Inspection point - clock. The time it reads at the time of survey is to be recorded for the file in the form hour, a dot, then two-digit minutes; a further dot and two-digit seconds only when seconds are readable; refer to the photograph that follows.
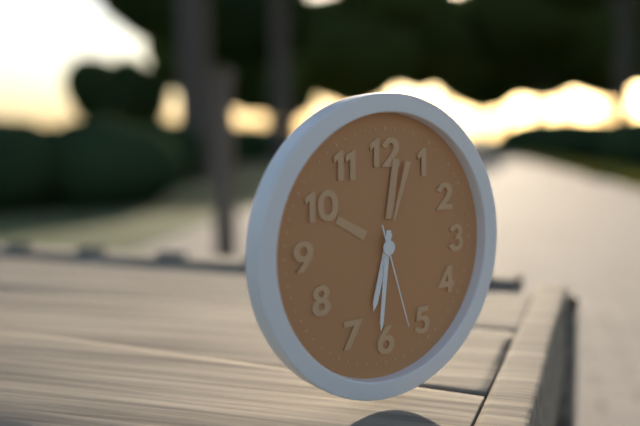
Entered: 6.31.27
